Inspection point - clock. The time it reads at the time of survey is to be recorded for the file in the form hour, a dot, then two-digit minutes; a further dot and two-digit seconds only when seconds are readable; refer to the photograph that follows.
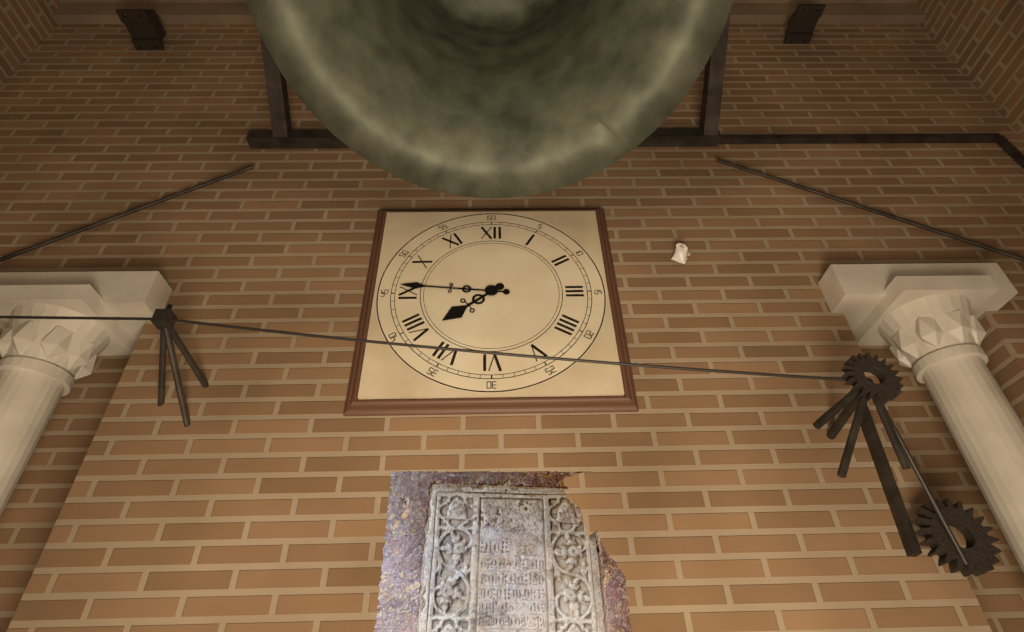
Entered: 7.46
